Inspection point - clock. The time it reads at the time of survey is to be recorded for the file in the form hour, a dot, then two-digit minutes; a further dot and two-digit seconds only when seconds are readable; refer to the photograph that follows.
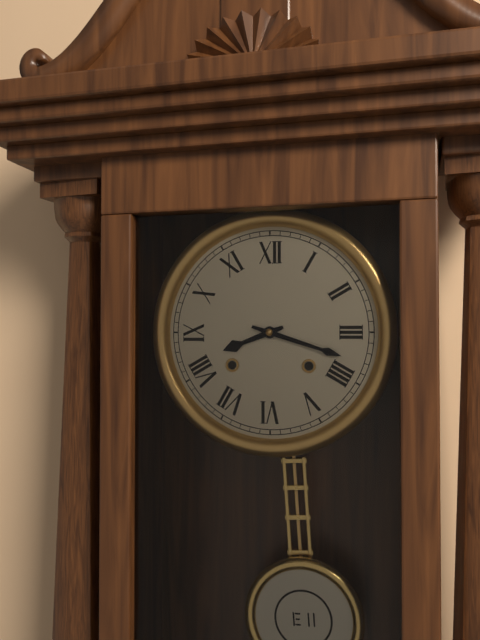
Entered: 8.18
